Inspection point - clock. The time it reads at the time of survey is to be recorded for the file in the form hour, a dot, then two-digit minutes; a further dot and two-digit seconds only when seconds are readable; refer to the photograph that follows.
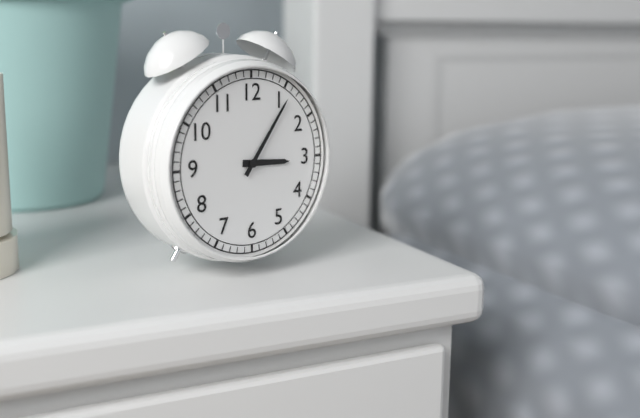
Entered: 3.06
